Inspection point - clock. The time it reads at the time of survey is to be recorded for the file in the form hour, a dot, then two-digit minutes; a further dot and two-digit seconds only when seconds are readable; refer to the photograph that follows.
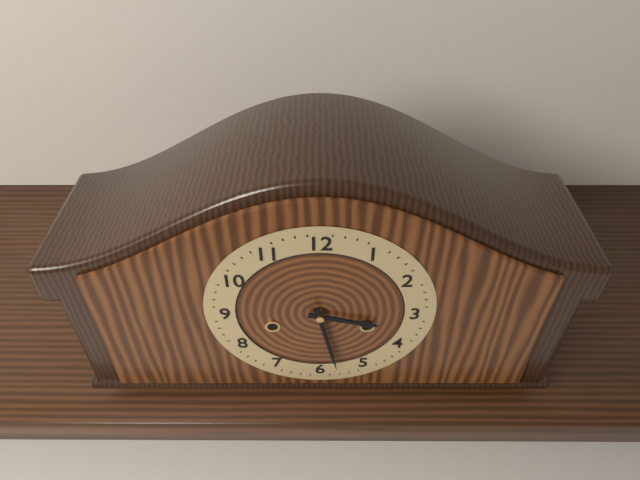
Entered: 3.28
